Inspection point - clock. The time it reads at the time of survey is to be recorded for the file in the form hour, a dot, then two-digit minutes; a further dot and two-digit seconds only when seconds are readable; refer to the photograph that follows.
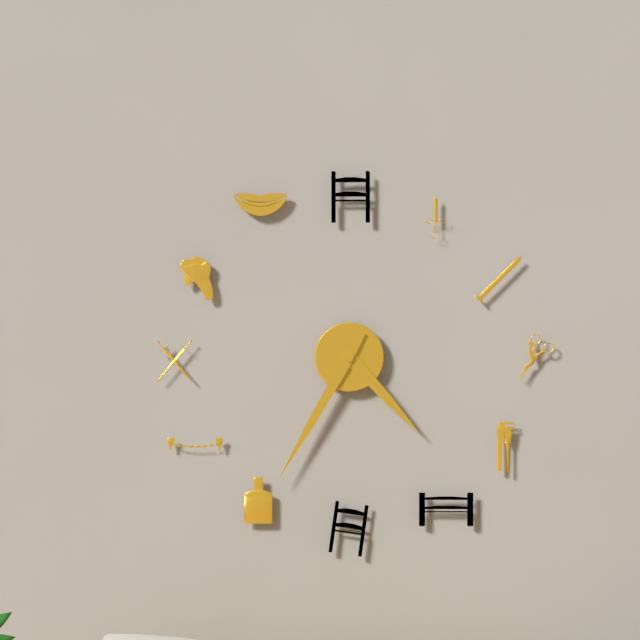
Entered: 4.35
